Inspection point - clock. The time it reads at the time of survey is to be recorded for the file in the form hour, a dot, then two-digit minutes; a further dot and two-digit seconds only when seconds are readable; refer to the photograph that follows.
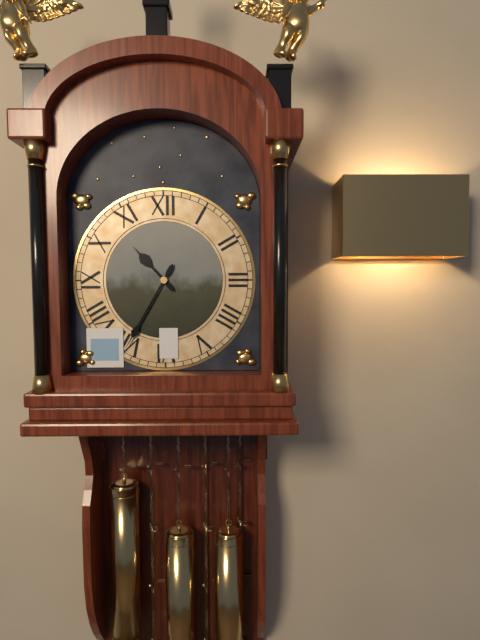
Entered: 10.35
